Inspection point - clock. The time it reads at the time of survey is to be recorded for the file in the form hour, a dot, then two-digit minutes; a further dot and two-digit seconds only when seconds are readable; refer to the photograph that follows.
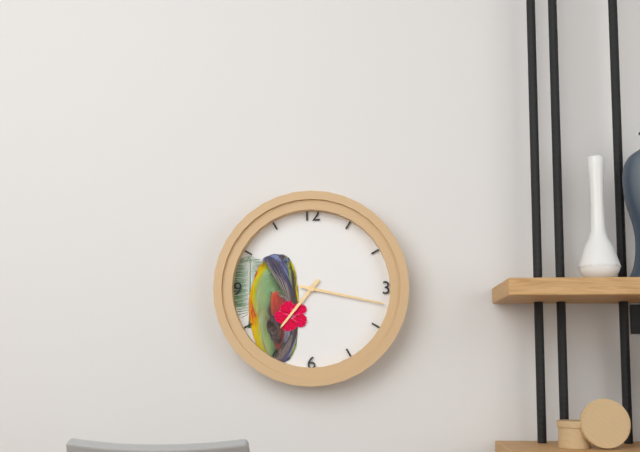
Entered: 7.17
